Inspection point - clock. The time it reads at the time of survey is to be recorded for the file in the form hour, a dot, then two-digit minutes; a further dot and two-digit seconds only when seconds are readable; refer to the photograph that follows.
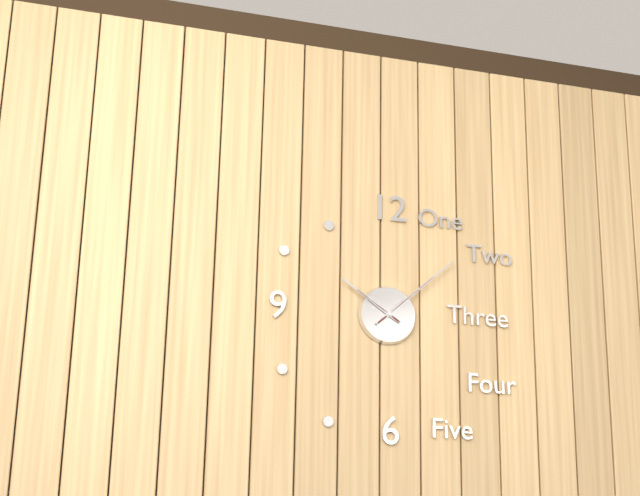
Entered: 10.08
